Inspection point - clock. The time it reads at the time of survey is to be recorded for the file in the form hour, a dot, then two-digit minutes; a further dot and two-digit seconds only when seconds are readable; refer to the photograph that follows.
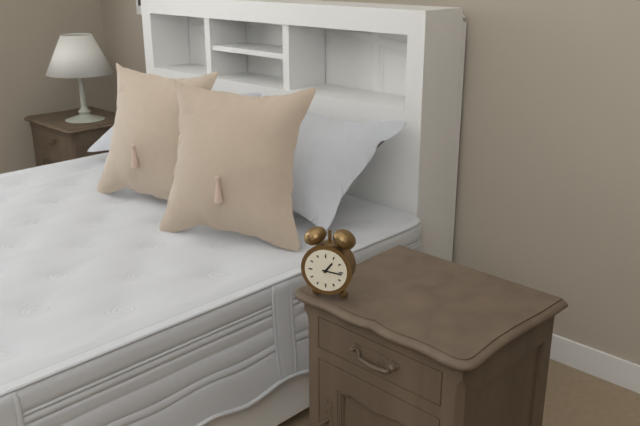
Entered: 1.16
